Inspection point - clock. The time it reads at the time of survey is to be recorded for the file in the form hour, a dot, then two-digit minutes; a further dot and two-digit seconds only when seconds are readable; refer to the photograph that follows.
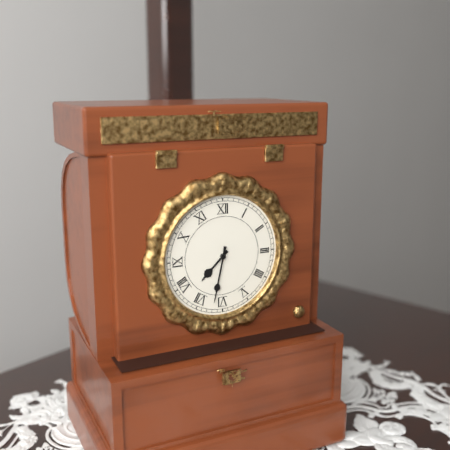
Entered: 7.32
